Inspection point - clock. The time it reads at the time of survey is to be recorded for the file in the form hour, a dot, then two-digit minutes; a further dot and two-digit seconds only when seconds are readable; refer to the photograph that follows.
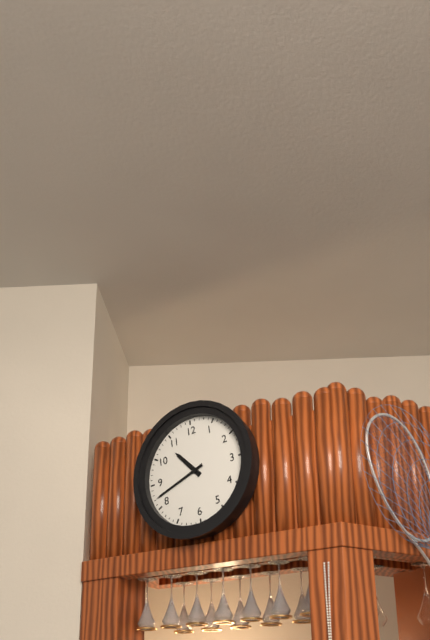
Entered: 10.42
